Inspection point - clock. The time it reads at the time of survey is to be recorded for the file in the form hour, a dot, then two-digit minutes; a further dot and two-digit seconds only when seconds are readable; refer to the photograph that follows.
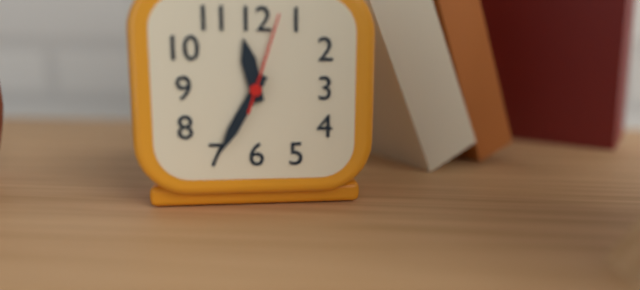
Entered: 11.35.03
